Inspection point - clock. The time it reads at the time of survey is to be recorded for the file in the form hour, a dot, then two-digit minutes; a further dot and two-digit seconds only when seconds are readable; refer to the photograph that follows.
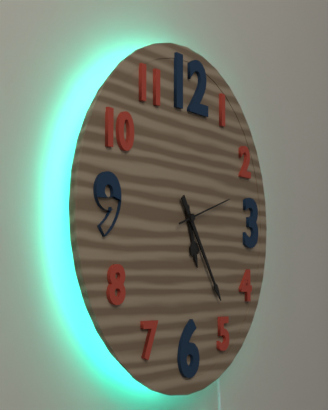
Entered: 5.24.12
